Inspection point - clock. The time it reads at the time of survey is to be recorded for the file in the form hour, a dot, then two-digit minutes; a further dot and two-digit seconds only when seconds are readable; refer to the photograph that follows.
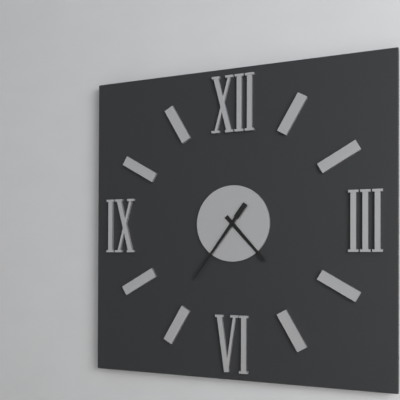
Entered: 4.36
